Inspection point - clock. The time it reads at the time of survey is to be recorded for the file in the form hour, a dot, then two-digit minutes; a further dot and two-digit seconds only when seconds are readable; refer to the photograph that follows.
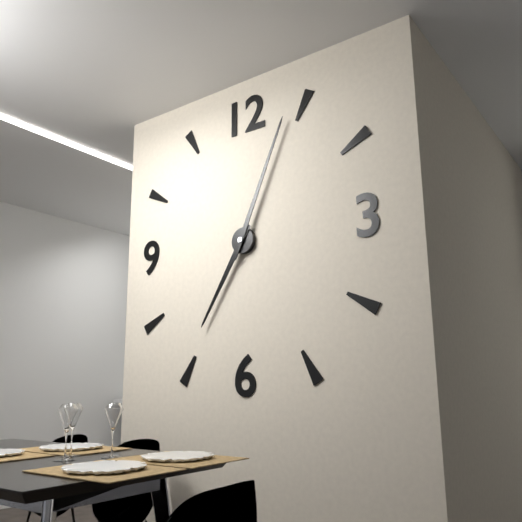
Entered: 7.04
